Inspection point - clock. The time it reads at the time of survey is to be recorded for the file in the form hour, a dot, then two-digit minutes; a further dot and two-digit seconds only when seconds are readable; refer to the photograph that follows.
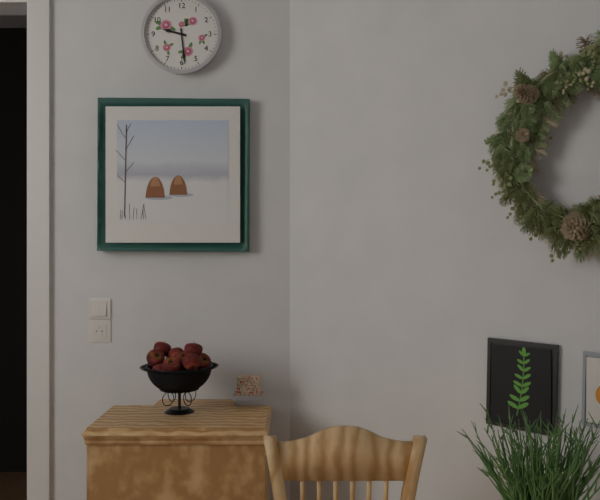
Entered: 9.29
